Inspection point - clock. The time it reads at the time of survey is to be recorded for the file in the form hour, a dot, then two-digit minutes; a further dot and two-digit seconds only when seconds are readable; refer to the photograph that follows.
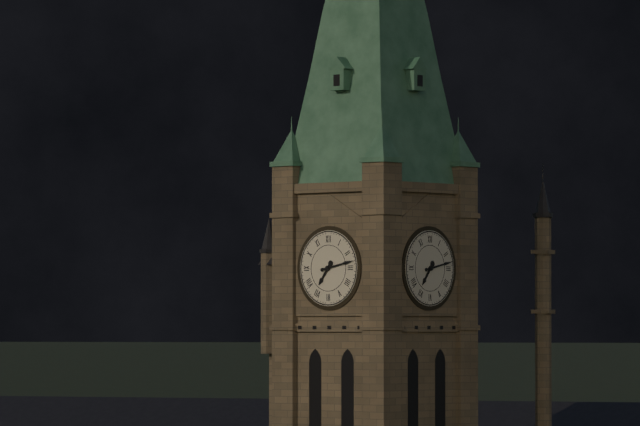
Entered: 7.13
